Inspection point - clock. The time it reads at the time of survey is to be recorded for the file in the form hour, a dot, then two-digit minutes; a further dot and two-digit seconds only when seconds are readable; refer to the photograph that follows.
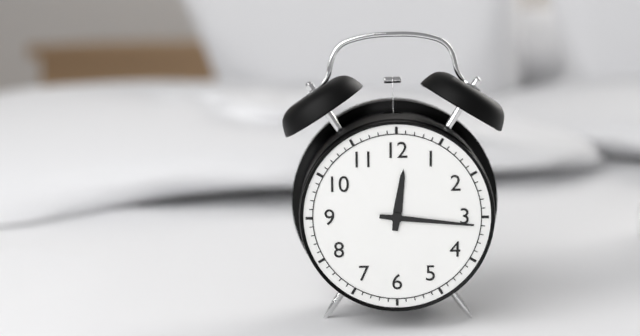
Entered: 12.16
